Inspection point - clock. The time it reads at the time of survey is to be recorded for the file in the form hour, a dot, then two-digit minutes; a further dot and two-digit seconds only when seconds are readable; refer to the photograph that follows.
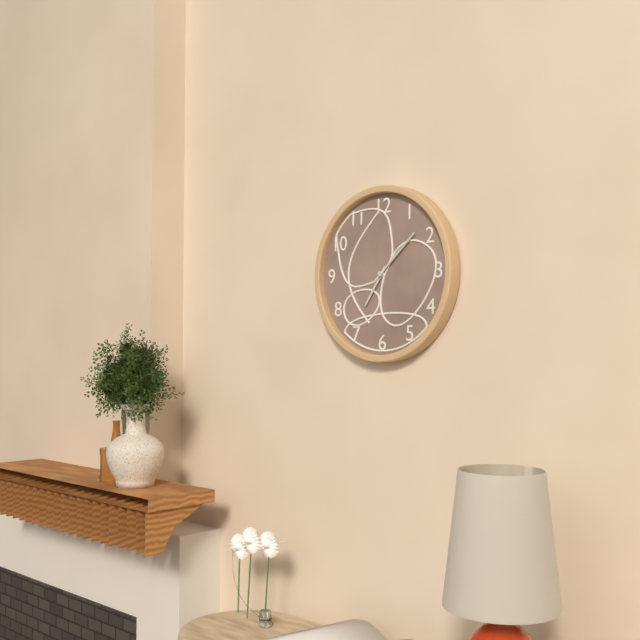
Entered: 7.08
